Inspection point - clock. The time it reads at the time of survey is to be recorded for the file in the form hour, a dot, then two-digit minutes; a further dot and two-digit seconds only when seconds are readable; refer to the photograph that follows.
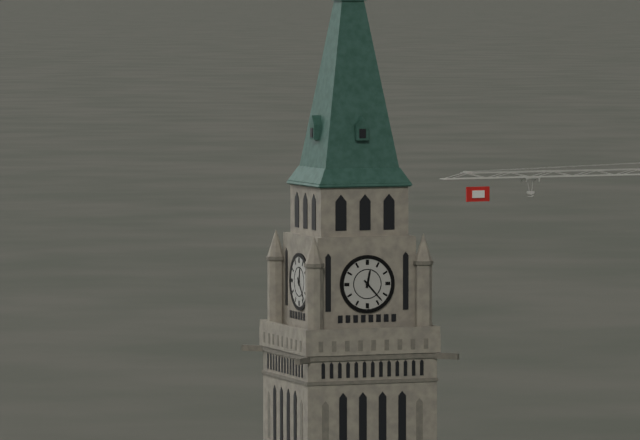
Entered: 12.23
